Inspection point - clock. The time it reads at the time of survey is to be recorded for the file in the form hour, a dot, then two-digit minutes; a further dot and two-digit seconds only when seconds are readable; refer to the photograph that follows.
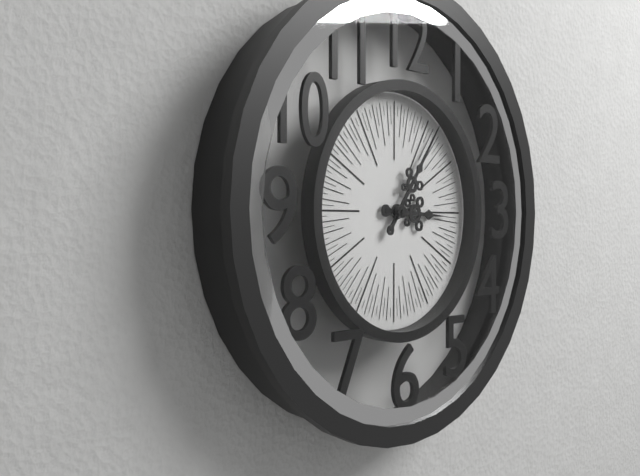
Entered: 3.06
